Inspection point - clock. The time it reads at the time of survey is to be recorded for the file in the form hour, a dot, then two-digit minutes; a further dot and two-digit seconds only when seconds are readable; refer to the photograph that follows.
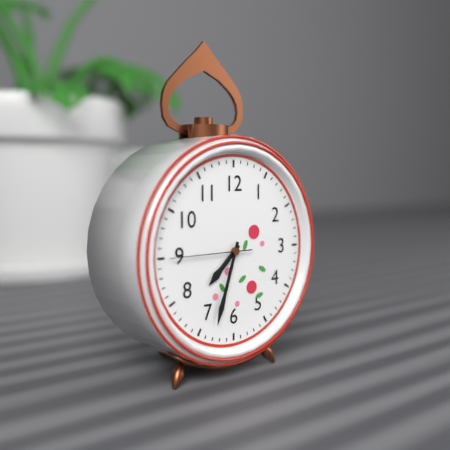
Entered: 7.33.45
